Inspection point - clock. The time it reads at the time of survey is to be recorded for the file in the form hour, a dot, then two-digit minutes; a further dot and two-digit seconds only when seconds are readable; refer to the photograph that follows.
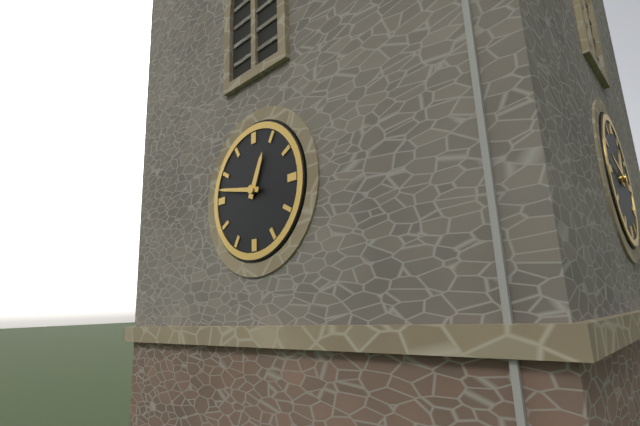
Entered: 12.47
